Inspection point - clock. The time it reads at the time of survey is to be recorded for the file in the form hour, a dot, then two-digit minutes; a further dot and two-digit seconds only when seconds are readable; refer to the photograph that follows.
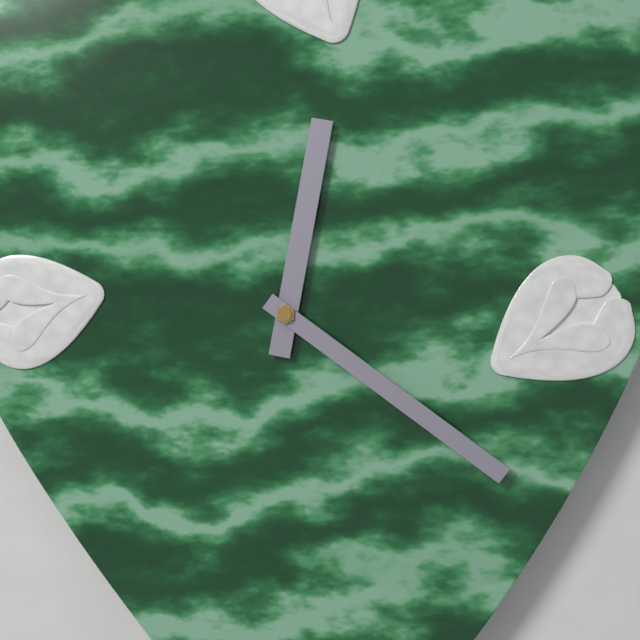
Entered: 12.21
